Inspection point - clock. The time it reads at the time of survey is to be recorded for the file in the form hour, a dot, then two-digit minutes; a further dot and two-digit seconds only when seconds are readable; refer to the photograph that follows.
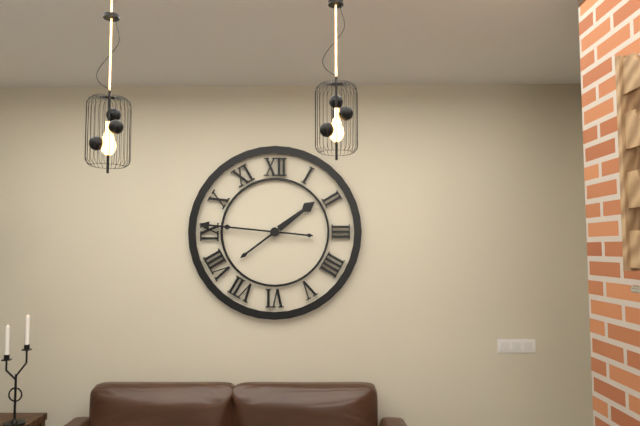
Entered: 1.46
